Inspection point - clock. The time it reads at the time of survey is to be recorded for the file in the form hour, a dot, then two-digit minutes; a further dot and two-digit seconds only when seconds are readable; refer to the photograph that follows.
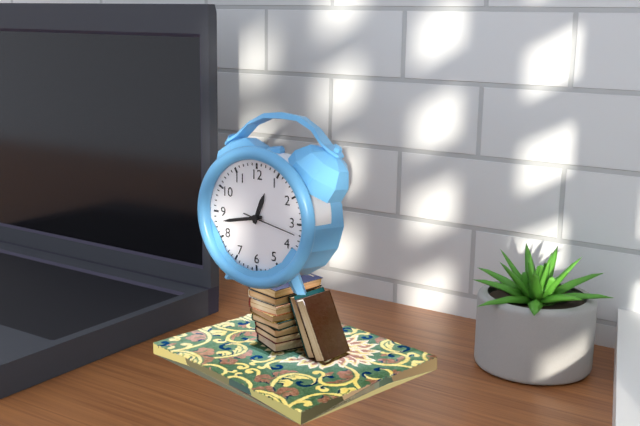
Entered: 12.43.17
